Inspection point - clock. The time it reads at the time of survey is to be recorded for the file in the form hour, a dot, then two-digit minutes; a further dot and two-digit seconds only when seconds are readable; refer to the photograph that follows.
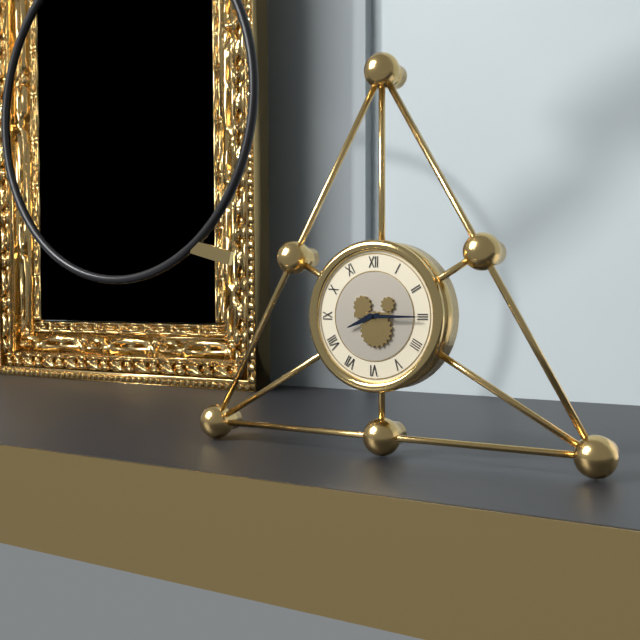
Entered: 8.15
